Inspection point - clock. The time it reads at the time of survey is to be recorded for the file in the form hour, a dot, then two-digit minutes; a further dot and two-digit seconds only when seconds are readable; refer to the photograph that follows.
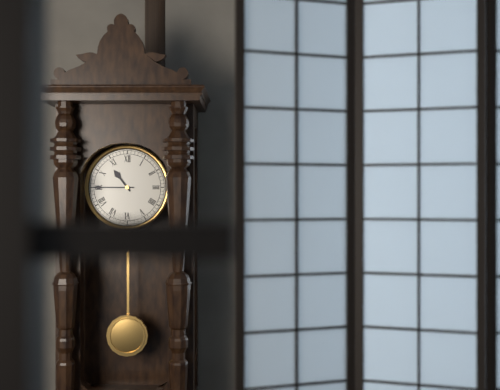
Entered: 10.45
